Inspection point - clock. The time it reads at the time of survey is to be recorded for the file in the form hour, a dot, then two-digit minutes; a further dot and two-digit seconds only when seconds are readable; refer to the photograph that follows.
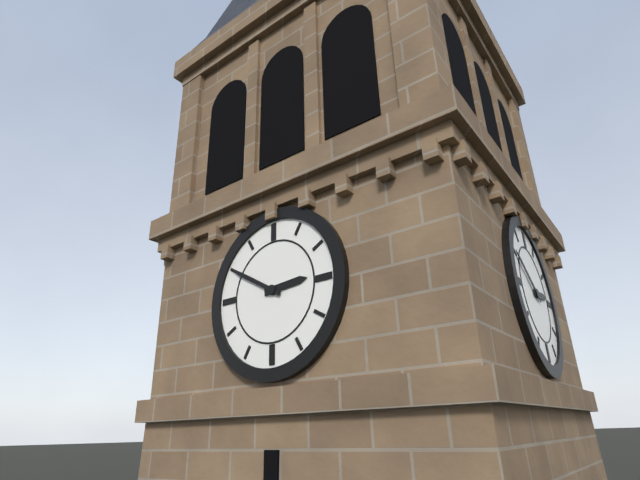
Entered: 2.50
